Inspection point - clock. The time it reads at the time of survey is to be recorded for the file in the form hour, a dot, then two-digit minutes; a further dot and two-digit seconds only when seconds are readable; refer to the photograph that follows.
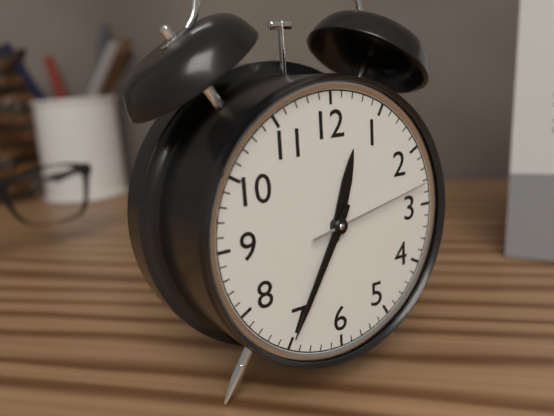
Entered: 12.35.13
